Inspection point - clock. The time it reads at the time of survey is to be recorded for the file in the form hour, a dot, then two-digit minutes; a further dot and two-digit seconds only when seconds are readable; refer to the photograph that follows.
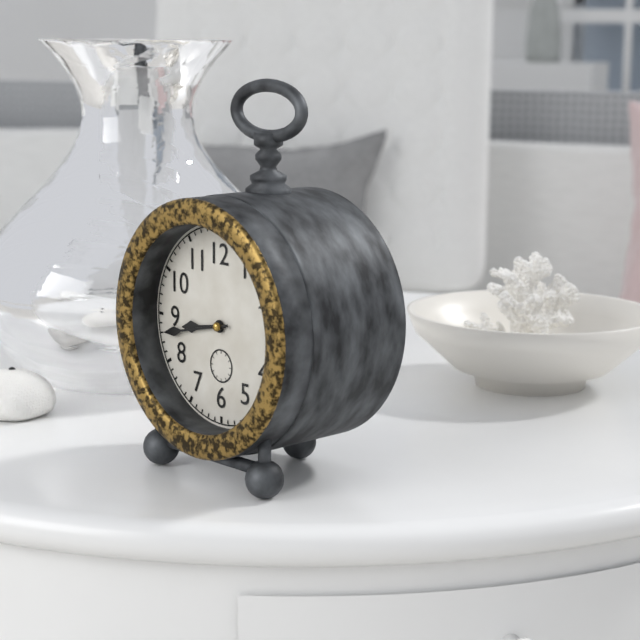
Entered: 8.43
